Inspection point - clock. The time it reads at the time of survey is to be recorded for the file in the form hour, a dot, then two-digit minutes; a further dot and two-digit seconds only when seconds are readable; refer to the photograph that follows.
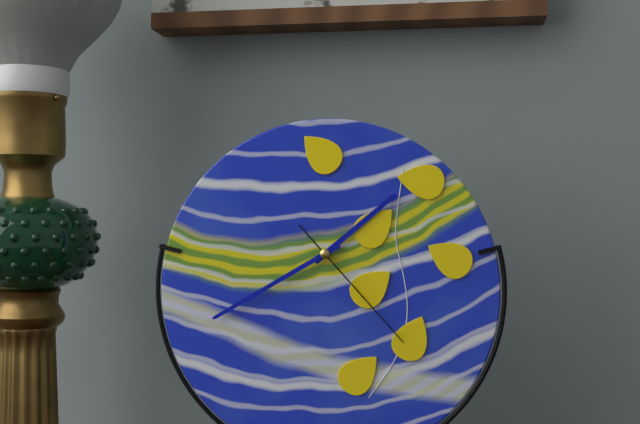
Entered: 1.40.23
